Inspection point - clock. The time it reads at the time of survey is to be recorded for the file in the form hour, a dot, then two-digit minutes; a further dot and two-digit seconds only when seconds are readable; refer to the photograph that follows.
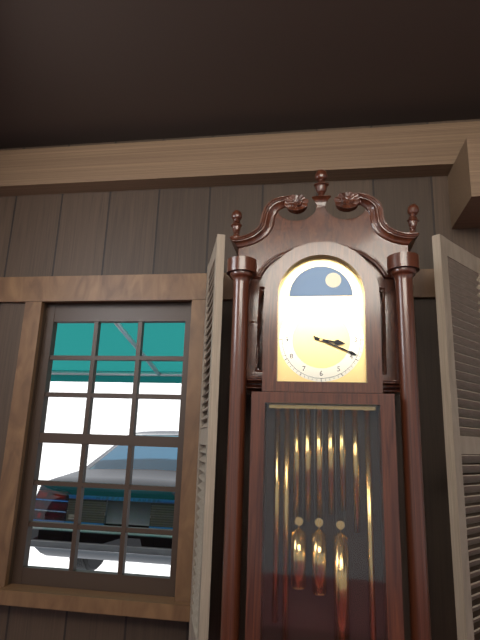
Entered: 3.19
